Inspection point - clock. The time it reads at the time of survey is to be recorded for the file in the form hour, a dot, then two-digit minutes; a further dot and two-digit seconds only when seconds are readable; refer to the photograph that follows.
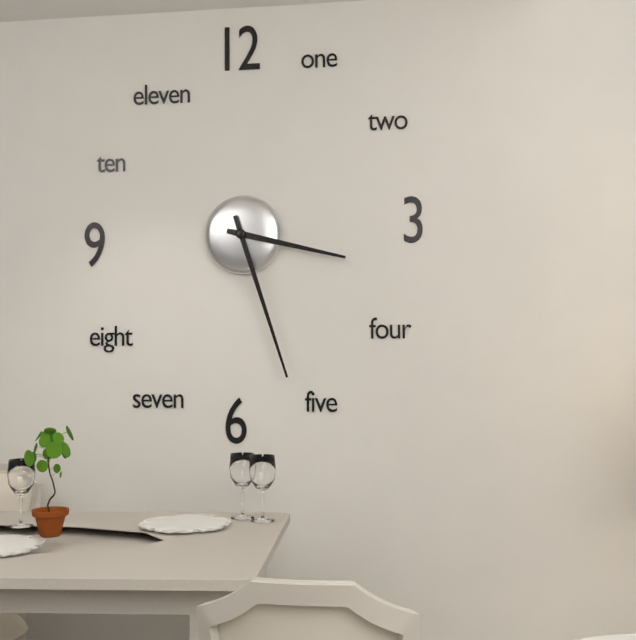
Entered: 3.27
